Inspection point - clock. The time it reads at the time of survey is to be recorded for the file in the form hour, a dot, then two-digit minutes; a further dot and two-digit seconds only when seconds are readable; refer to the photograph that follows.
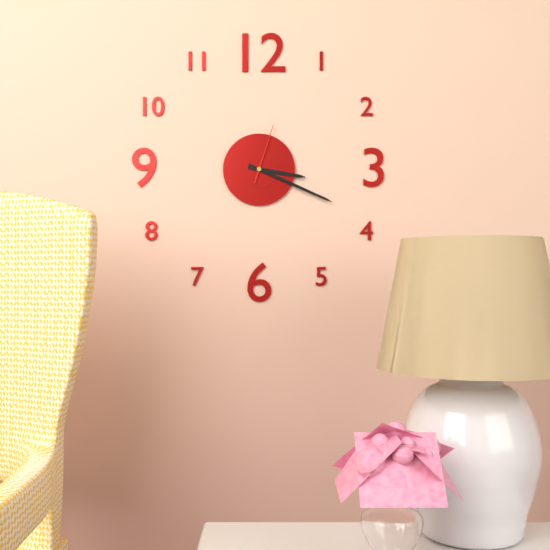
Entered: 3.19.03
